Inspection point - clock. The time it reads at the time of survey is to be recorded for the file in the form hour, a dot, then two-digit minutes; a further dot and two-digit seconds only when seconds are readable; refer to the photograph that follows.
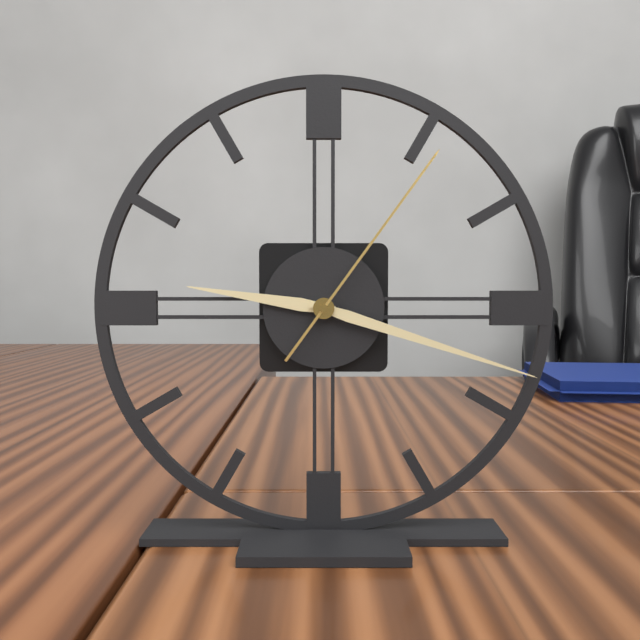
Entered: 9.18.06
